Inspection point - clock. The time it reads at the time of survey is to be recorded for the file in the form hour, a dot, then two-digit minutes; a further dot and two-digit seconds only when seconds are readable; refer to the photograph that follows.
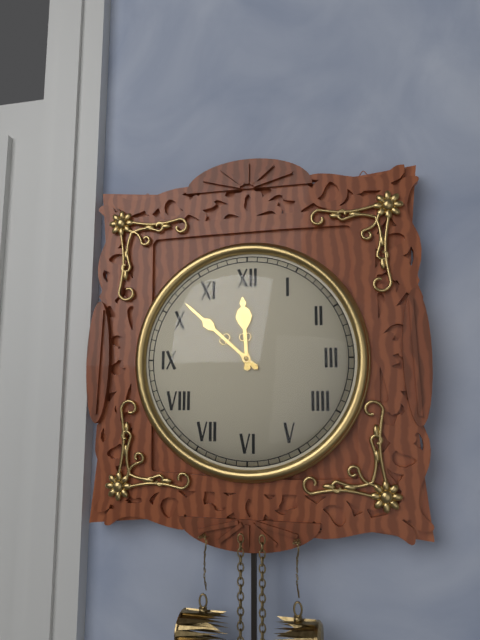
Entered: 11.52
